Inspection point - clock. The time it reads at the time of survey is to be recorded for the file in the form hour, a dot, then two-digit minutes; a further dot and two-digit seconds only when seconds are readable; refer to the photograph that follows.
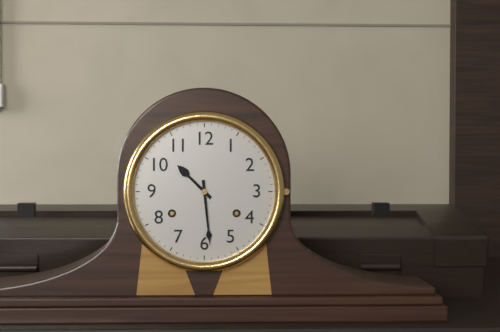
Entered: 10.29
